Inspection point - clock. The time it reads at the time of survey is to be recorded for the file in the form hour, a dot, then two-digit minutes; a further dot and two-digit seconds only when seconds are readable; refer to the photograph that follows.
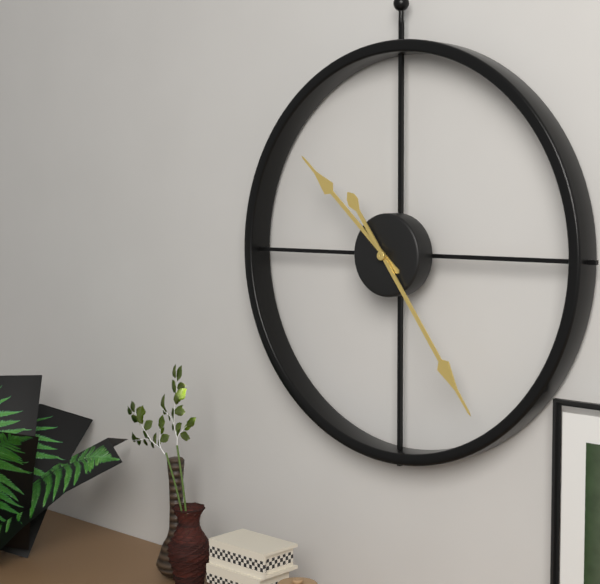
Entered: 10.24
